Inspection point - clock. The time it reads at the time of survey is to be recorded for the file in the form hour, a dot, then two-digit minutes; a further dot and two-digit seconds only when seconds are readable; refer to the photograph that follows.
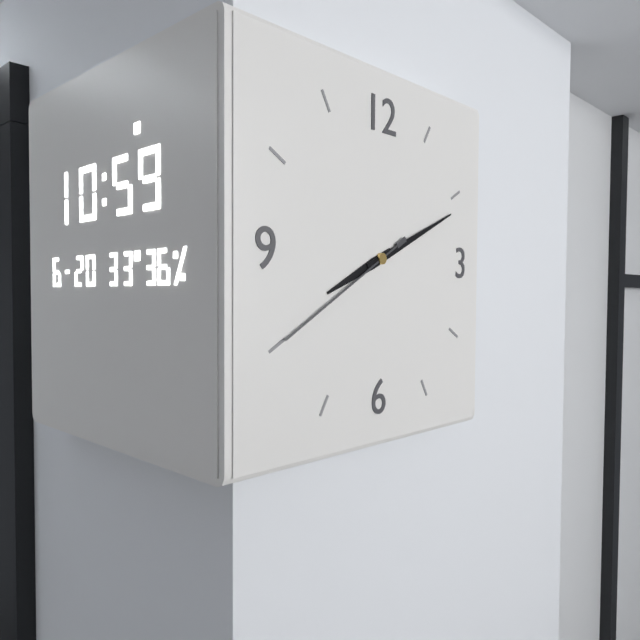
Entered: 8.11.40
